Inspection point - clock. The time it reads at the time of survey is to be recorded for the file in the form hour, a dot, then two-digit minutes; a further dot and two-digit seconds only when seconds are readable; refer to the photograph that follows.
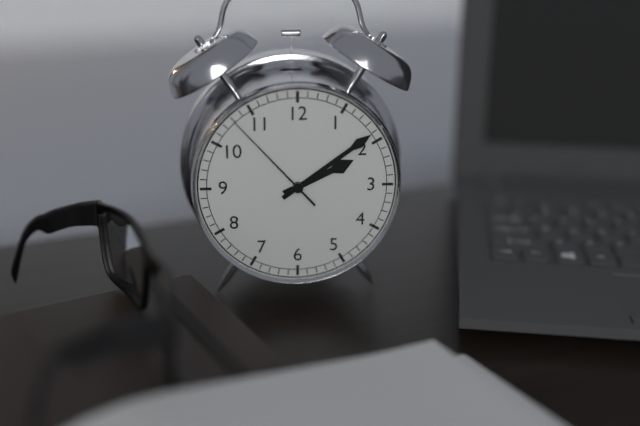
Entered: 2.09.53
